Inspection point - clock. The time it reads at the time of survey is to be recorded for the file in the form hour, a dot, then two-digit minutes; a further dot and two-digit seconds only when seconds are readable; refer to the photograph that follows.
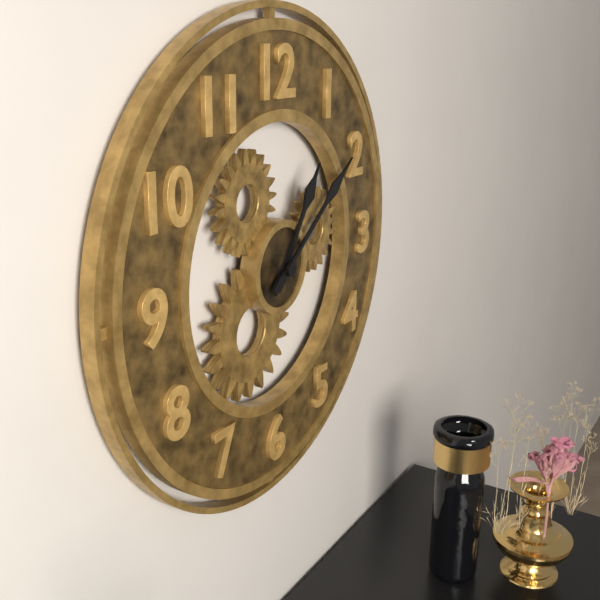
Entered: 1.09
